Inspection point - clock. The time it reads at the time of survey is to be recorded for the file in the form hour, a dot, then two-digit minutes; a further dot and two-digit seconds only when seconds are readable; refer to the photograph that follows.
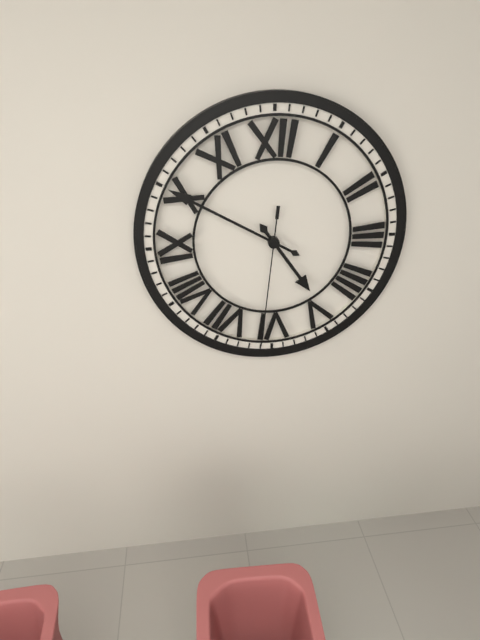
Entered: 4.50.31
